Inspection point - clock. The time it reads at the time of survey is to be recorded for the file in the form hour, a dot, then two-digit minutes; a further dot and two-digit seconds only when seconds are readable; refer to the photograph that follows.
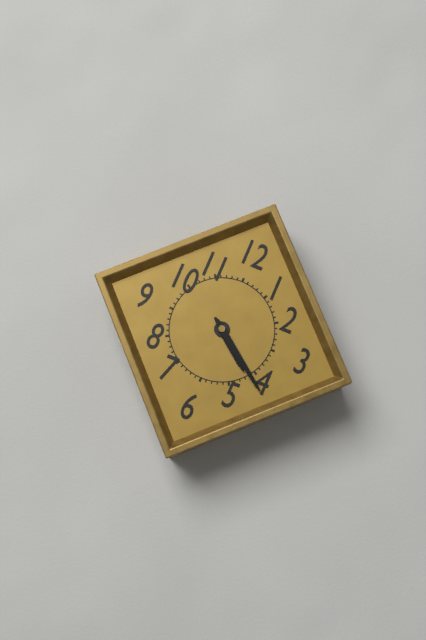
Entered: 4.21
